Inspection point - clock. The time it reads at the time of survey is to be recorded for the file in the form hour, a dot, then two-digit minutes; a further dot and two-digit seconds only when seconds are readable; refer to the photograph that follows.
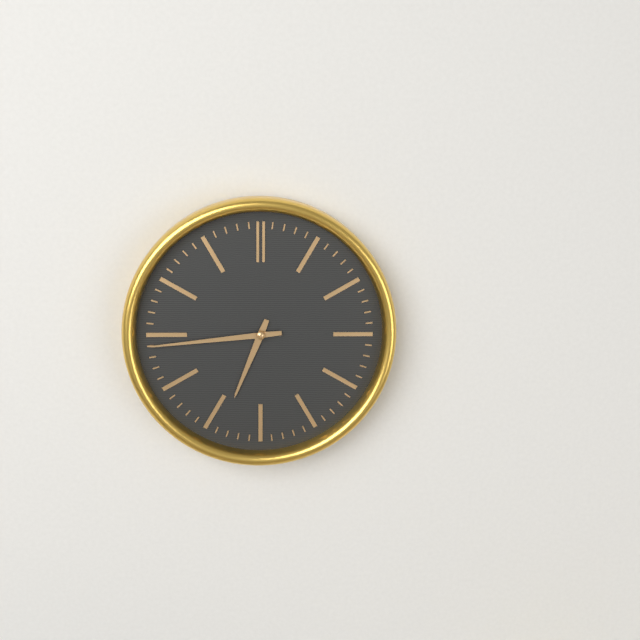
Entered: 6.44
